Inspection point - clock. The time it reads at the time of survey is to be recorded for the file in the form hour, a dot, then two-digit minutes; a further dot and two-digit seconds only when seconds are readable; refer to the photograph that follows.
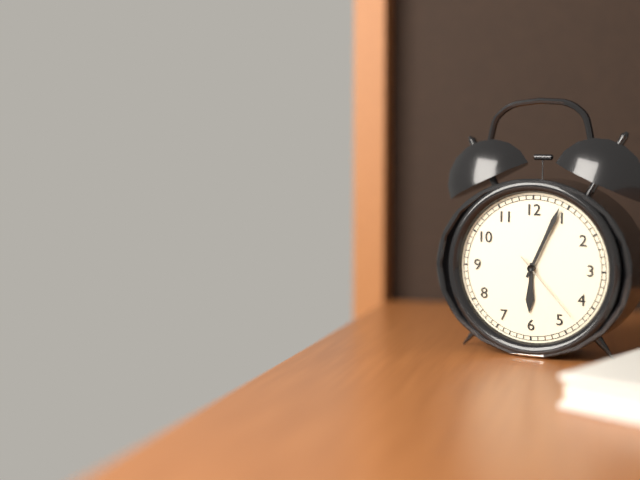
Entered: 6.04.23
